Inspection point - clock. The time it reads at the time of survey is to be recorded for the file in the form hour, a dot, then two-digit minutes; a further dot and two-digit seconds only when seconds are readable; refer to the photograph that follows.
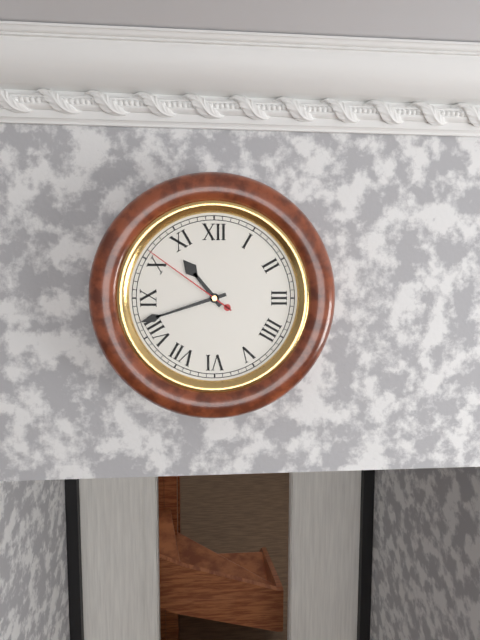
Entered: 10.42.51
